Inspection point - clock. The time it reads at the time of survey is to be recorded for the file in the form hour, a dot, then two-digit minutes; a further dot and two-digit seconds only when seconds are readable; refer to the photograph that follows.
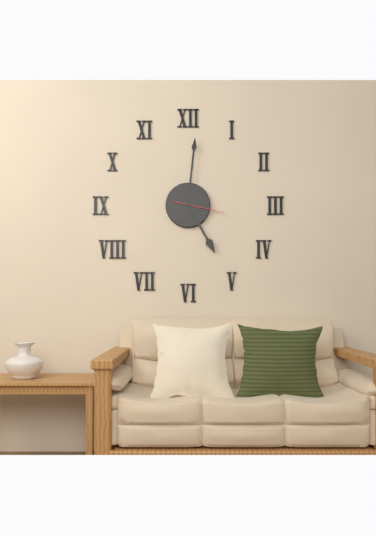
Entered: 5.01
